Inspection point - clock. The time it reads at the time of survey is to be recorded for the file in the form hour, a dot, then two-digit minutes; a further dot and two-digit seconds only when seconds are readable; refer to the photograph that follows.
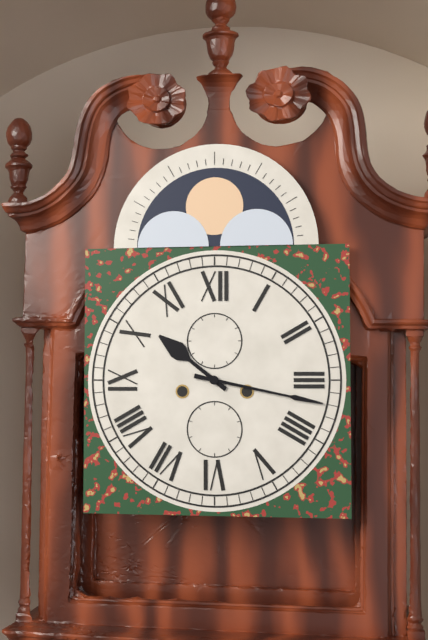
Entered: 10.17
